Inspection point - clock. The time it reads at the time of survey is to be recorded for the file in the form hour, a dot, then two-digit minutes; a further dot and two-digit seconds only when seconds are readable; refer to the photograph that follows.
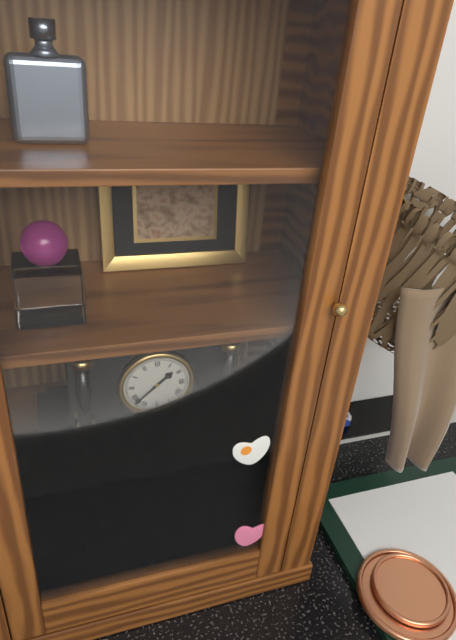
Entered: 1.38
